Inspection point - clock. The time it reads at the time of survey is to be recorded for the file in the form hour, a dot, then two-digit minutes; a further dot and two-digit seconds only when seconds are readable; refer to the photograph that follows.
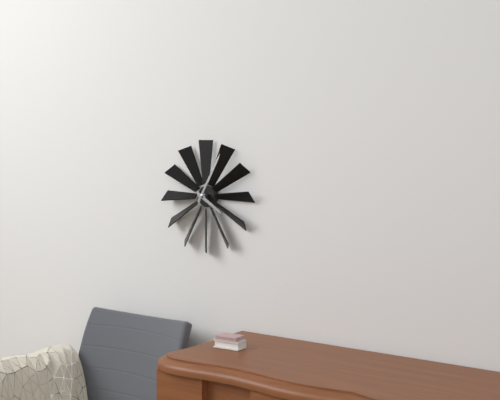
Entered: 4.05
